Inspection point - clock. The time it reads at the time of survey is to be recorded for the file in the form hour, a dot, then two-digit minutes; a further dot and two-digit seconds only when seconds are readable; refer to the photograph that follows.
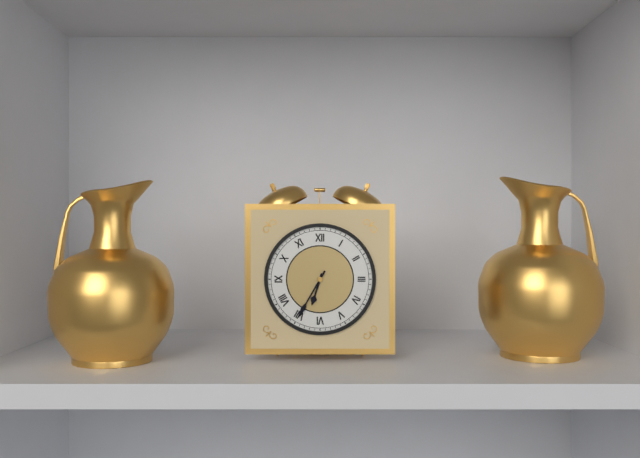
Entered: 6.35
